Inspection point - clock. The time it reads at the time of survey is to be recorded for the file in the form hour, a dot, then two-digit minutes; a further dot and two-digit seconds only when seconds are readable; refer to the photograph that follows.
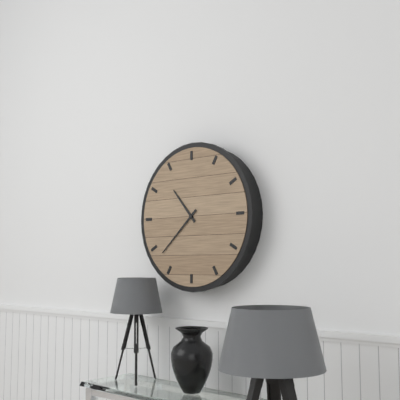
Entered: 10.38
